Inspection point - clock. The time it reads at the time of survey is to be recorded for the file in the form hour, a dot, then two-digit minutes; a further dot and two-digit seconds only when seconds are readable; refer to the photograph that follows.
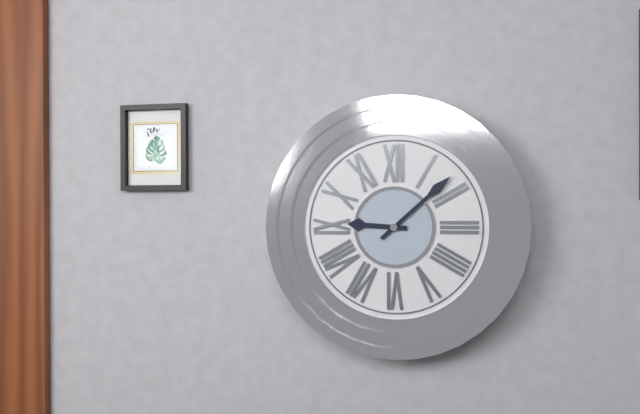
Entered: 9.08
